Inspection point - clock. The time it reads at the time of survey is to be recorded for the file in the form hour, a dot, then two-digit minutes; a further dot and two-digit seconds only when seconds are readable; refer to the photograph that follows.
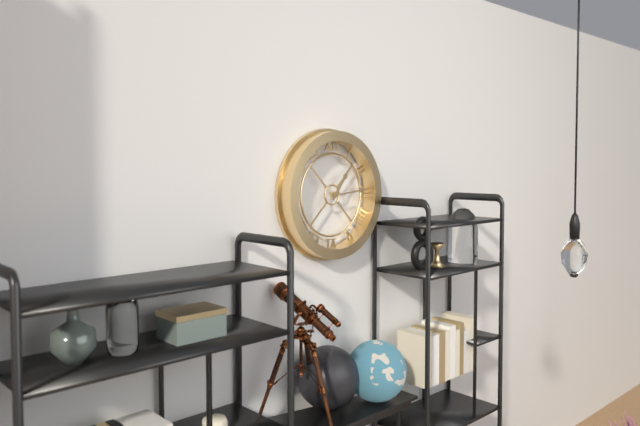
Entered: 1.14
